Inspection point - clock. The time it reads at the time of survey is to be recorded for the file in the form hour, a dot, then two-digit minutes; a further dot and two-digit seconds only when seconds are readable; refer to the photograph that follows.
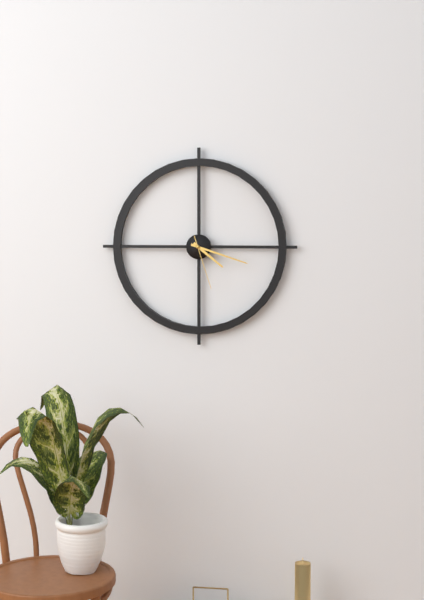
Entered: 4.18.27
